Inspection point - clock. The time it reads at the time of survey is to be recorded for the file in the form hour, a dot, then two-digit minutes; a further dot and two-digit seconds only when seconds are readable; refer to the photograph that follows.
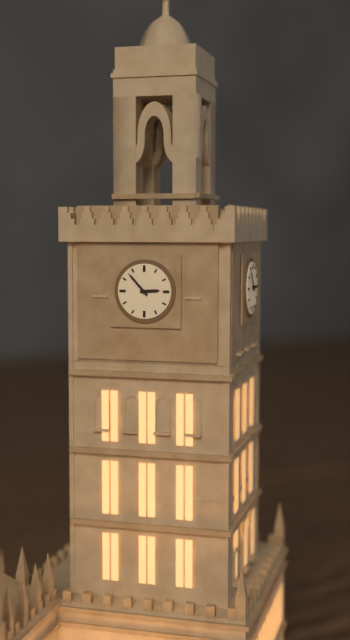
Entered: 2.53
